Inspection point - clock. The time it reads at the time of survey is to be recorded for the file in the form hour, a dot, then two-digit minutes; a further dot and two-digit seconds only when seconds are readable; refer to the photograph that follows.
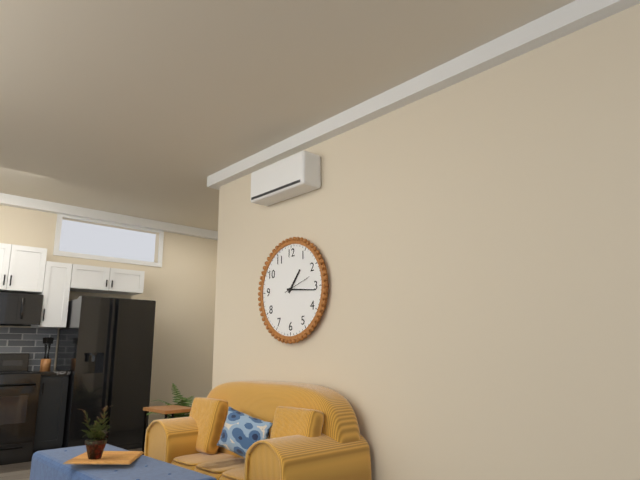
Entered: 1.16
